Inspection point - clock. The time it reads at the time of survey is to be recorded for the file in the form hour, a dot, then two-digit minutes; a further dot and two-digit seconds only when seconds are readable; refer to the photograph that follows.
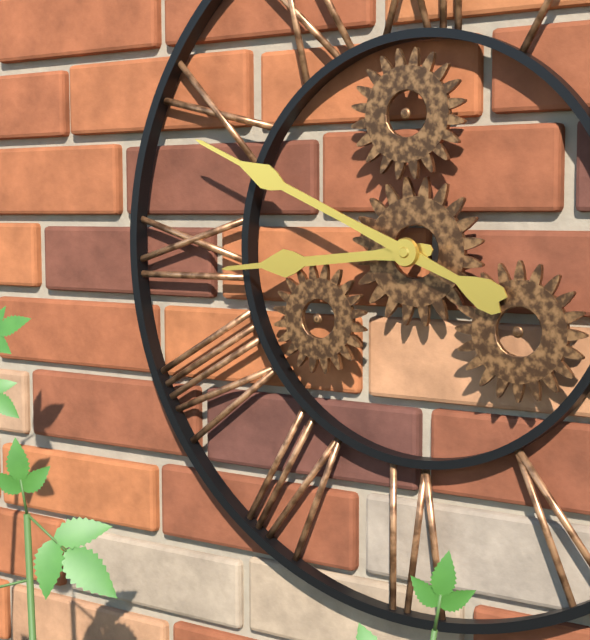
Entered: 8.49
